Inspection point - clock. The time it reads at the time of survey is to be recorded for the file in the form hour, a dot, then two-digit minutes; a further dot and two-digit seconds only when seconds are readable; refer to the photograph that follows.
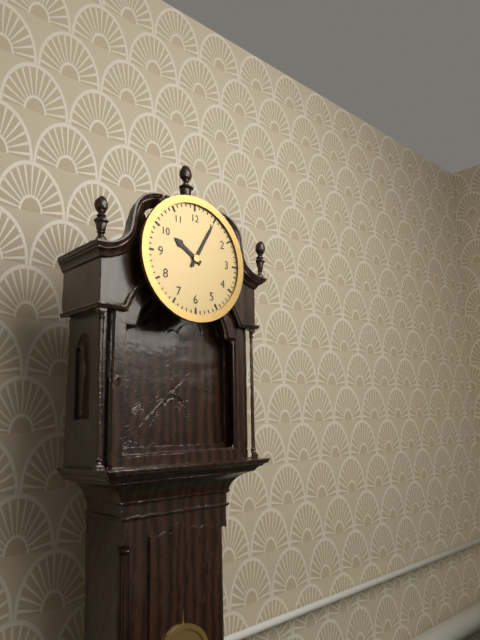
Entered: 10.05
